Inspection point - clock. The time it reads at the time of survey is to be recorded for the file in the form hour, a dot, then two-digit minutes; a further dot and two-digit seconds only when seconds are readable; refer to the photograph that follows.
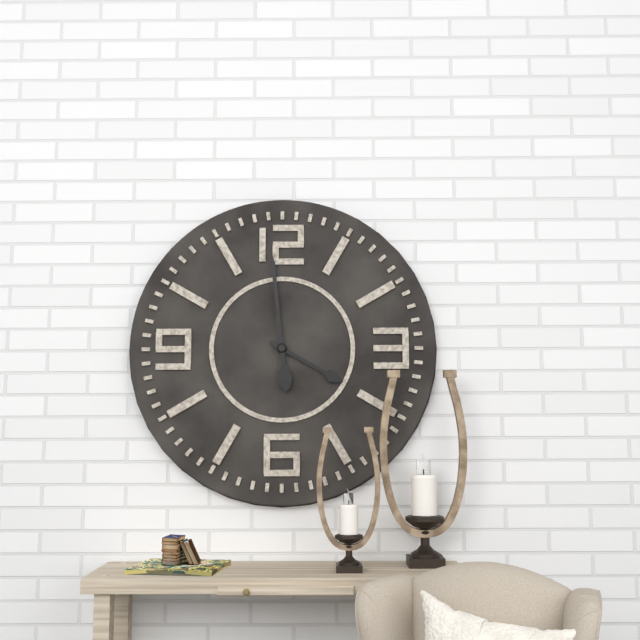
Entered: 3.59
